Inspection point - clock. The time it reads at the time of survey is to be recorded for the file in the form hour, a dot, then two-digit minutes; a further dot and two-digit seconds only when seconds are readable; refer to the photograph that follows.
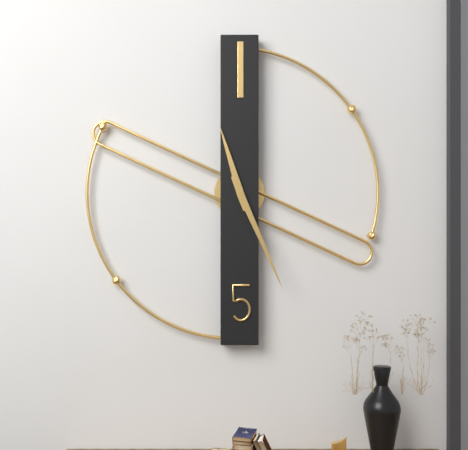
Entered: 11.26
